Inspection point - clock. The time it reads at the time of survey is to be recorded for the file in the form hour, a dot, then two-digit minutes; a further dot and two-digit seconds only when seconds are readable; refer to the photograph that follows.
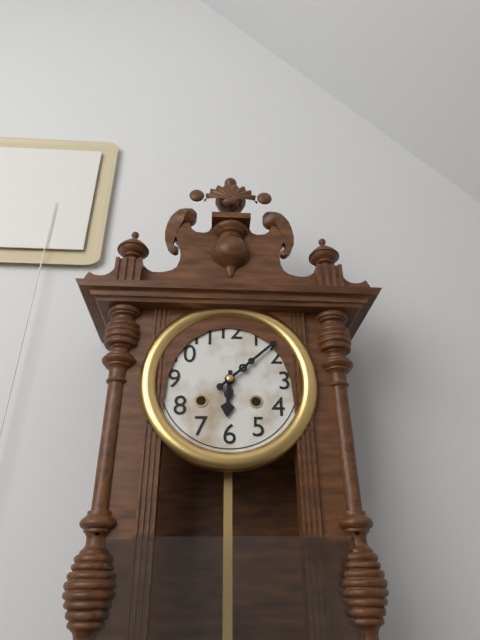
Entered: 6.08
